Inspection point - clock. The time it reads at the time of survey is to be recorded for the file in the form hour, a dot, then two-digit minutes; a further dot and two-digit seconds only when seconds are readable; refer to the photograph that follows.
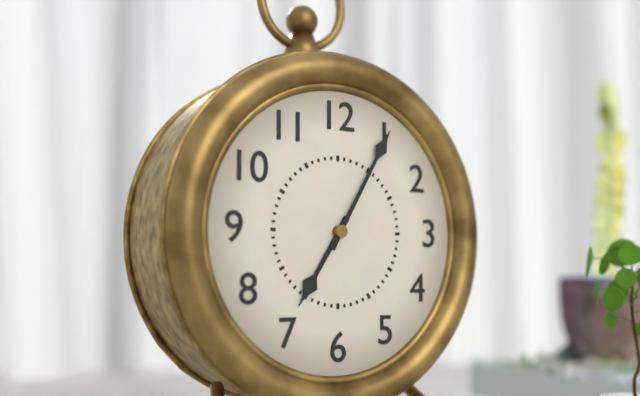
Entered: 7.05
